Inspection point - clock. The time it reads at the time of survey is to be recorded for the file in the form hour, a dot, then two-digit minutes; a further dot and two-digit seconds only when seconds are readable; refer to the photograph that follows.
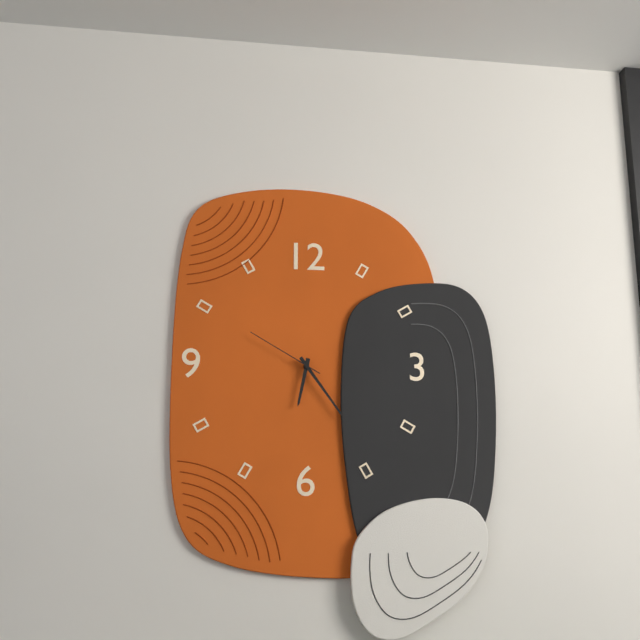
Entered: 6.24.50
